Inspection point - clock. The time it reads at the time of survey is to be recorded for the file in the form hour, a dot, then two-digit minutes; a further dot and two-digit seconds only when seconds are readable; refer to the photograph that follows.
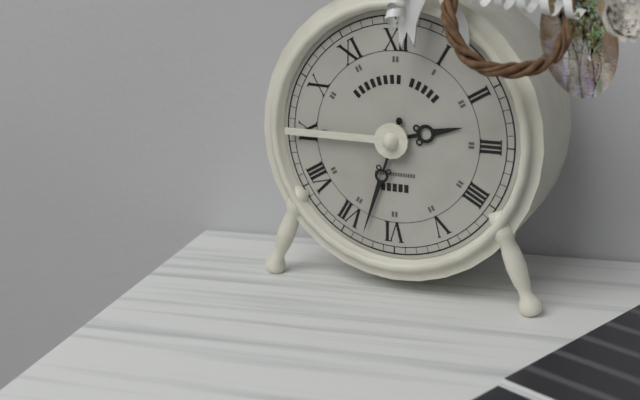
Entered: 2.33
